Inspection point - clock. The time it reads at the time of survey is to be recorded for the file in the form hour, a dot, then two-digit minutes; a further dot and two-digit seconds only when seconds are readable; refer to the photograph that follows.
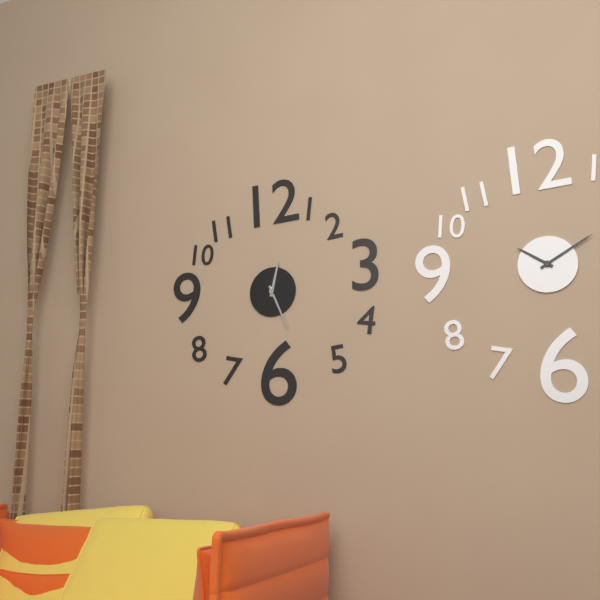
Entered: 12.26
